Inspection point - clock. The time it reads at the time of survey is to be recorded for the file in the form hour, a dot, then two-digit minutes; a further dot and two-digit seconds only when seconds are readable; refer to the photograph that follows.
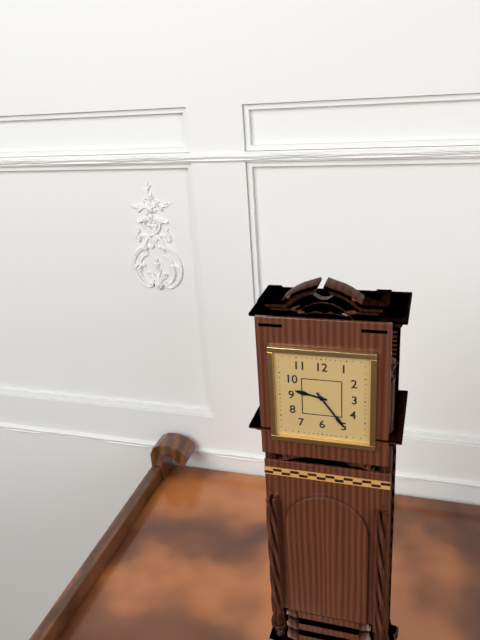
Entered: 9.24
